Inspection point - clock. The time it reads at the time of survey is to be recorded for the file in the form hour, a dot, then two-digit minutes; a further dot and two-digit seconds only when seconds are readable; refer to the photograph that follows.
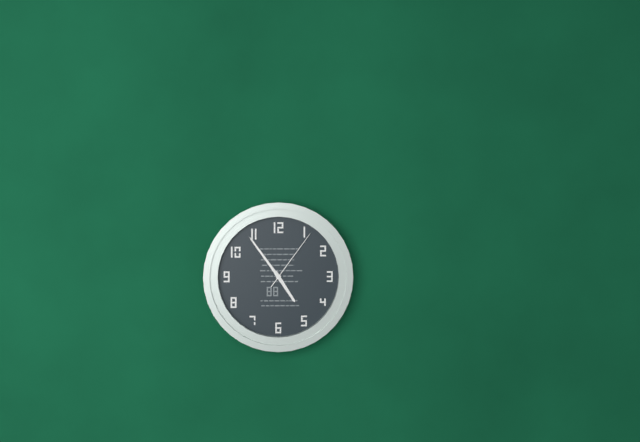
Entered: 4.54.06
